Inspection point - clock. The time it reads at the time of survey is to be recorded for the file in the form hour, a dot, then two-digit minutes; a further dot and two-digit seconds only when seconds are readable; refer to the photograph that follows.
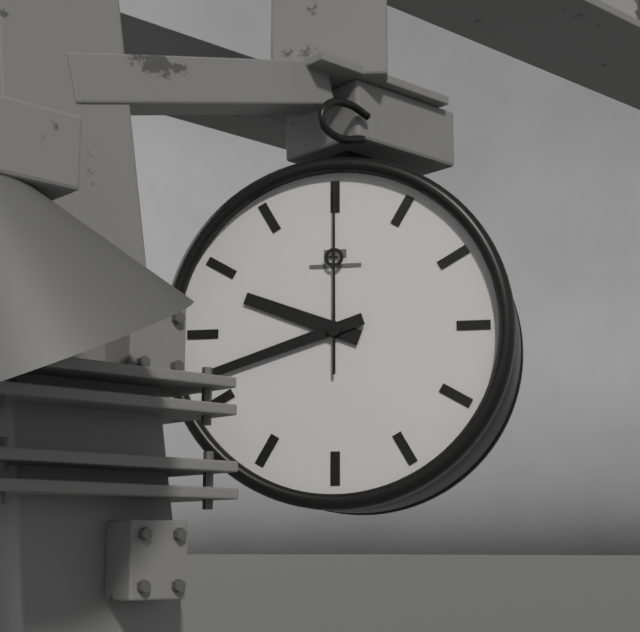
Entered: 9.42.00
